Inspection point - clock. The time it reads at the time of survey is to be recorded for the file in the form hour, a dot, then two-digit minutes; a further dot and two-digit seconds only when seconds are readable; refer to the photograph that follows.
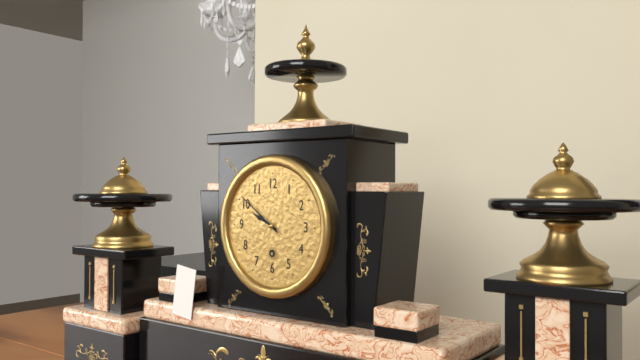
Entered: 9.51
